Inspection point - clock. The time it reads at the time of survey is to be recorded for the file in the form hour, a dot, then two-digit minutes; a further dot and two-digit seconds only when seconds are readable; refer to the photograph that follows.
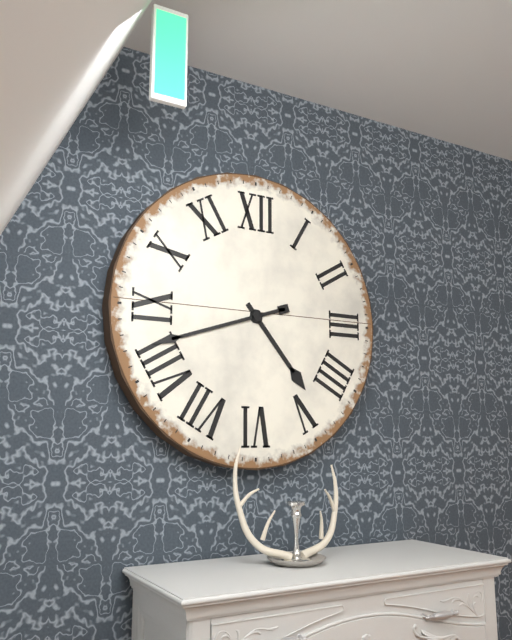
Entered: 4.42
